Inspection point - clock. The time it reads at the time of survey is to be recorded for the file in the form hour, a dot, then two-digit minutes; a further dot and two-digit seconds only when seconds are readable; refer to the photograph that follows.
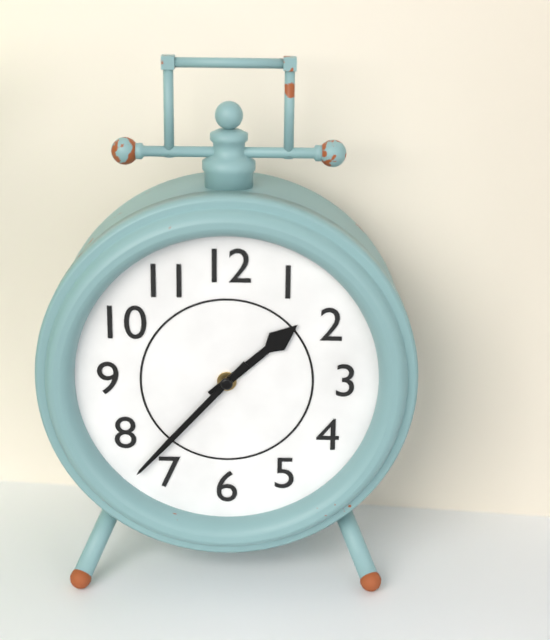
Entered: 1.37
